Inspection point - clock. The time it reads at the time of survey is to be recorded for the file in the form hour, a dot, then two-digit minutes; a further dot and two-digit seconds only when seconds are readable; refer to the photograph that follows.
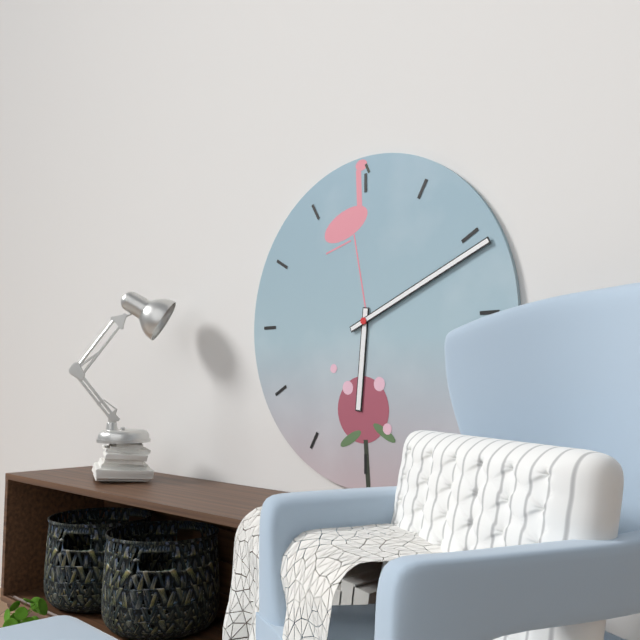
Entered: 6.11
